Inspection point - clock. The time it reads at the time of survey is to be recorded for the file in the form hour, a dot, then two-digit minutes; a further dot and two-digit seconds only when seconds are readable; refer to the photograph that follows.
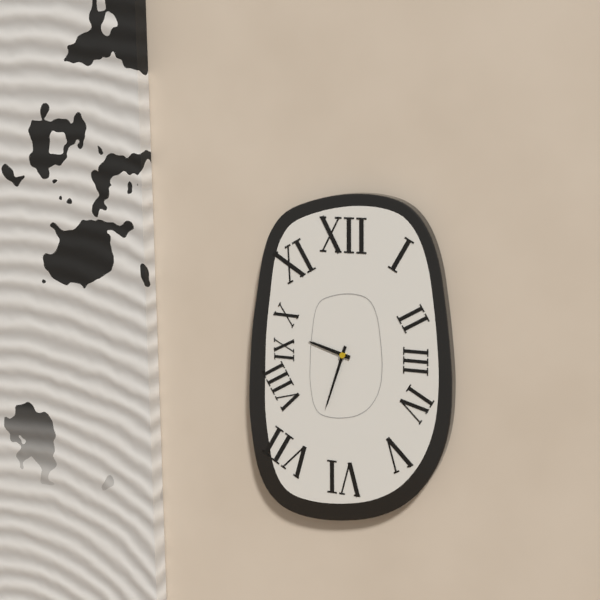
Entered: 9.33
